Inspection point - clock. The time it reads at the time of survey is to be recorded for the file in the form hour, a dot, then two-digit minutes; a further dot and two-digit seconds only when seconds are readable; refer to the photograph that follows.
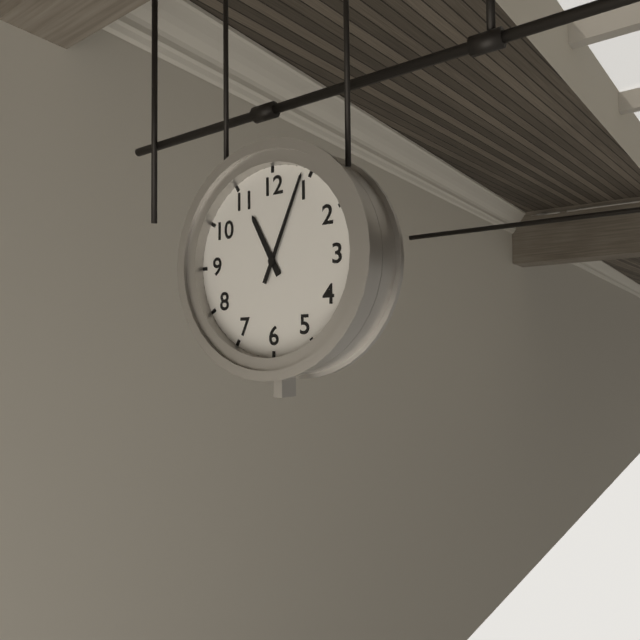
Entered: 11.04
